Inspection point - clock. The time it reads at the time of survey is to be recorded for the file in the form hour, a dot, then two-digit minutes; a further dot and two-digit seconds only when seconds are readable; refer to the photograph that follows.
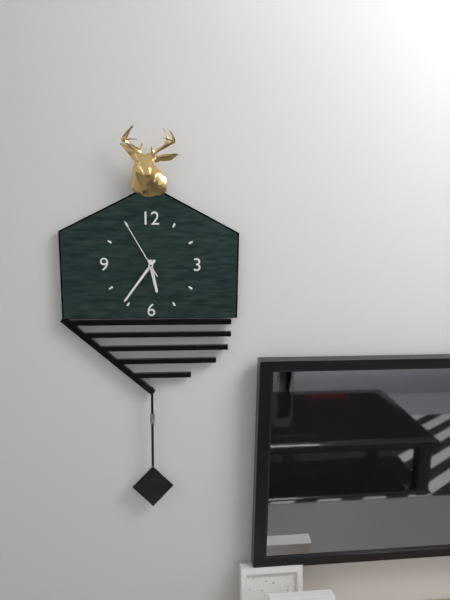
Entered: 5.36.55
